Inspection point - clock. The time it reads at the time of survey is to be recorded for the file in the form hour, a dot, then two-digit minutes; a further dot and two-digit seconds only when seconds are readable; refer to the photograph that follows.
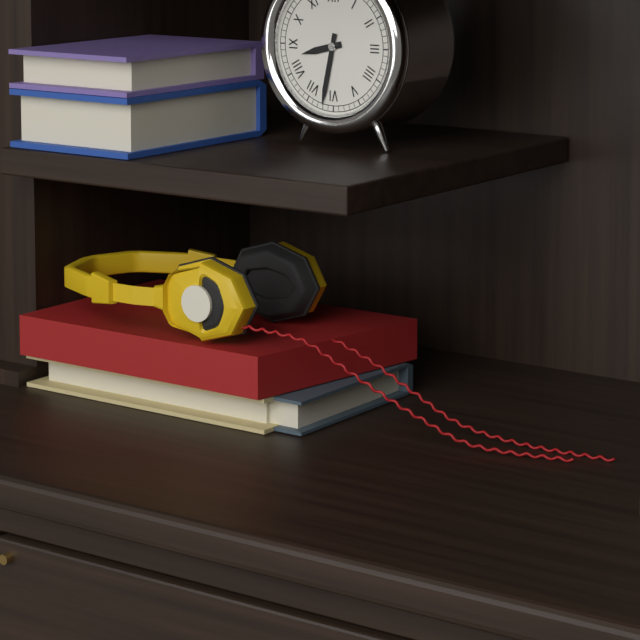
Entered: 8.32
